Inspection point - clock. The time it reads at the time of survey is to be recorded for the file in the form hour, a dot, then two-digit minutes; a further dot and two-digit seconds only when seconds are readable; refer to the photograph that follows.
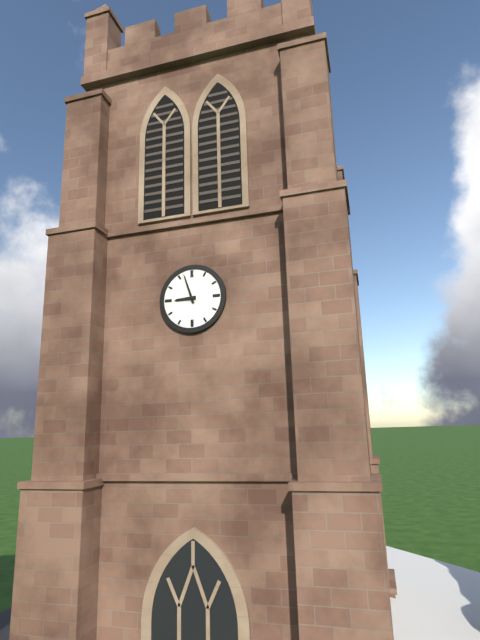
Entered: 8.57
